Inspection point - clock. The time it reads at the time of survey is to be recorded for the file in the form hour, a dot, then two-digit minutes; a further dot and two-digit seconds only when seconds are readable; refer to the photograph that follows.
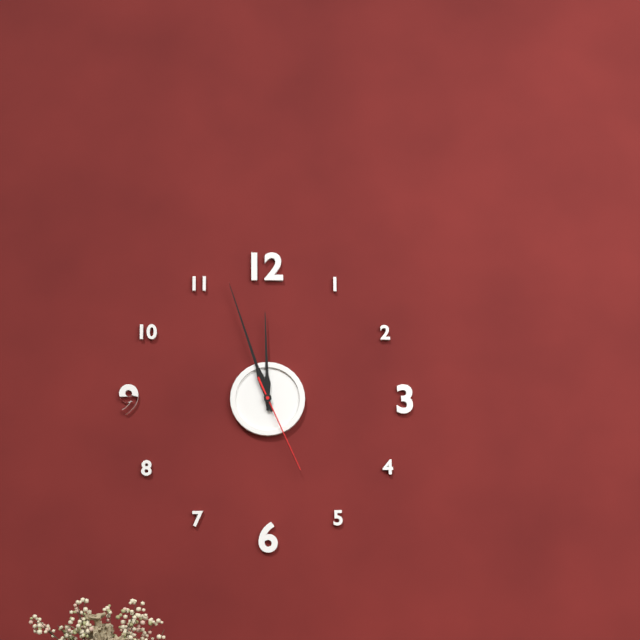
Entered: 11.57.26
